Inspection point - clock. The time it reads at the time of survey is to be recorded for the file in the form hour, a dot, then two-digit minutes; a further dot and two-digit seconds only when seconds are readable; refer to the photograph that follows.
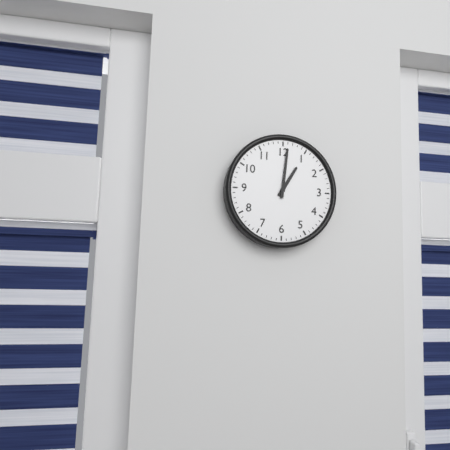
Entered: 1.01
